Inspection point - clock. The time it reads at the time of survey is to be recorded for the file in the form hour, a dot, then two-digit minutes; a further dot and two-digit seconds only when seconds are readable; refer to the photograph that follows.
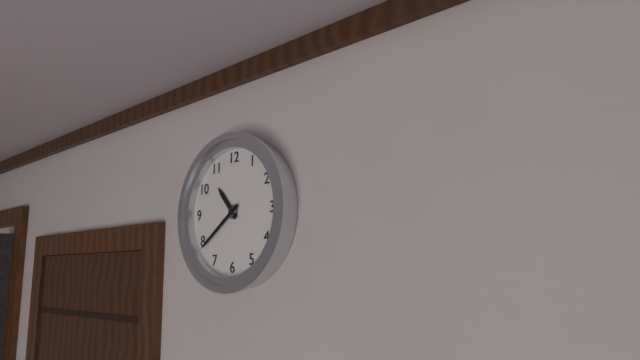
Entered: 10.39
